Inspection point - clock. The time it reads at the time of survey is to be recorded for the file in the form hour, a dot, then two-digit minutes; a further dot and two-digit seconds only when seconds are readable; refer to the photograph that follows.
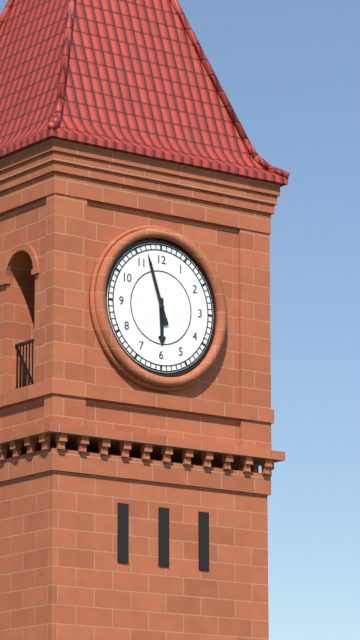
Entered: 5.57
